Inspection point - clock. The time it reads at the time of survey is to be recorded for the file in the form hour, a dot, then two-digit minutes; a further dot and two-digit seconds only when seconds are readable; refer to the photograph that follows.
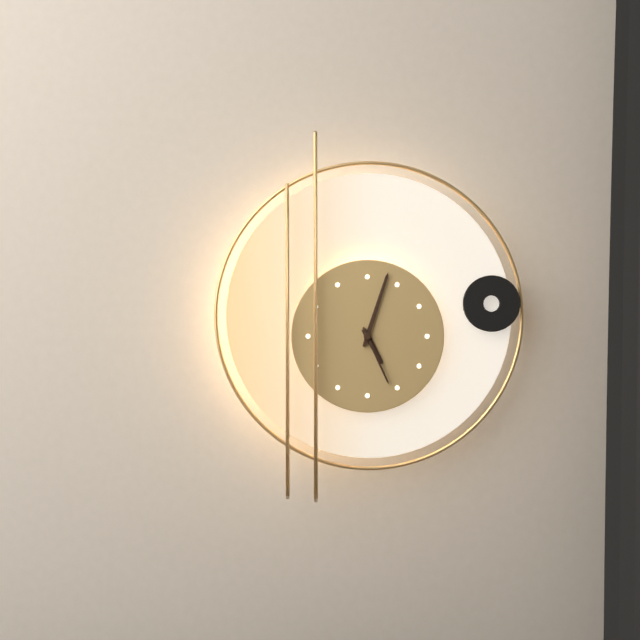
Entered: 5.03.26
